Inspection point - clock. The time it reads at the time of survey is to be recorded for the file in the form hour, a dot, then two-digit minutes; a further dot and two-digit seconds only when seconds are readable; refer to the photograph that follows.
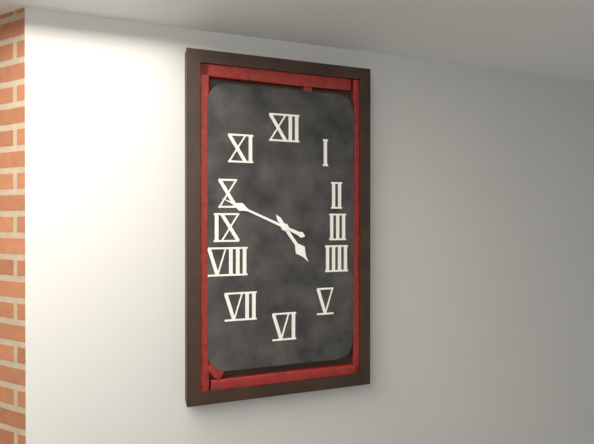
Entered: 4.49
